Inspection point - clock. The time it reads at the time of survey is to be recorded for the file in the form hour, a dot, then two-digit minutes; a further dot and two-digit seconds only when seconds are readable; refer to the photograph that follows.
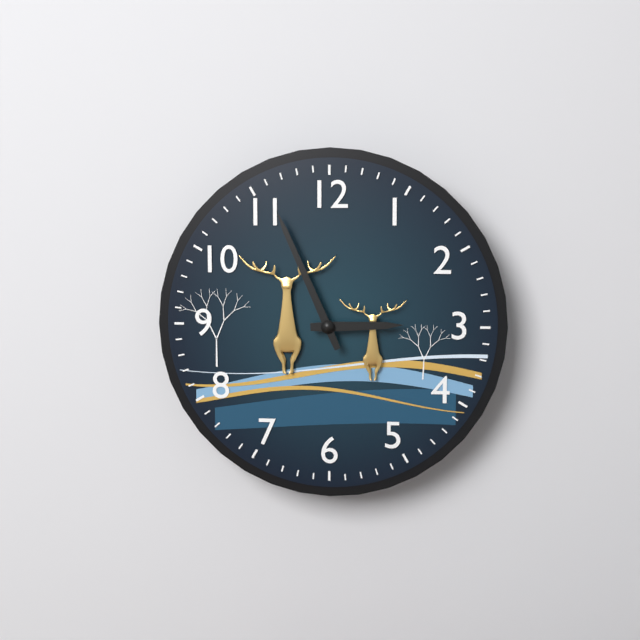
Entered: 2.56
